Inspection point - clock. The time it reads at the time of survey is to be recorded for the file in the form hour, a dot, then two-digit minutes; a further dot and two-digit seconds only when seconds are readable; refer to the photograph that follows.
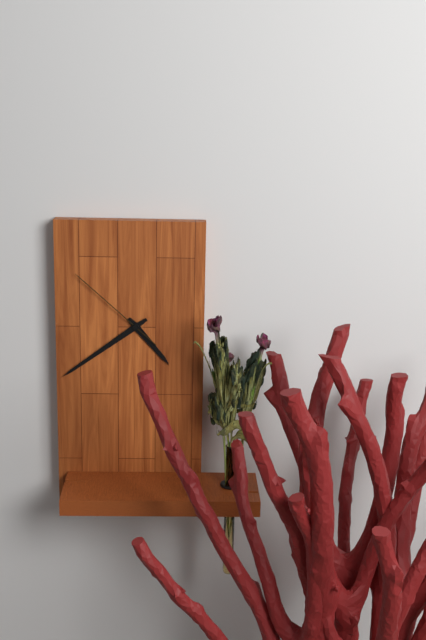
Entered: 4.39.52
